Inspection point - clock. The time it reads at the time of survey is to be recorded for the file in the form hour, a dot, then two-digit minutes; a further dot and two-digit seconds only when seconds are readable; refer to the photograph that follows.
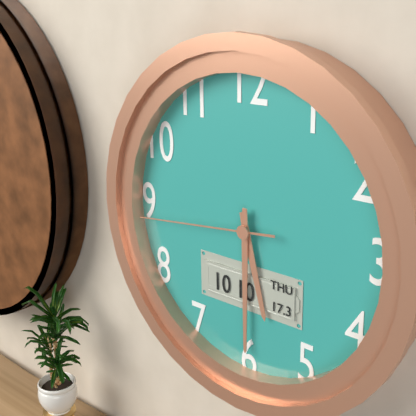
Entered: 5.30.44
